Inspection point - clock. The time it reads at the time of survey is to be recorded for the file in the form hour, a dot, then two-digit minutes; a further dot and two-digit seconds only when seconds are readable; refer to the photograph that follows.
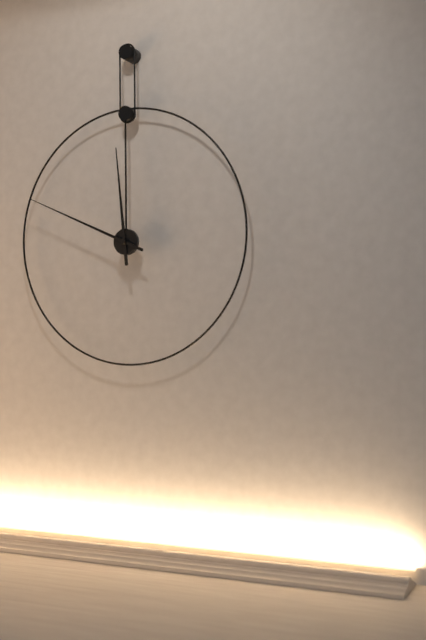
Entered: 11.49
